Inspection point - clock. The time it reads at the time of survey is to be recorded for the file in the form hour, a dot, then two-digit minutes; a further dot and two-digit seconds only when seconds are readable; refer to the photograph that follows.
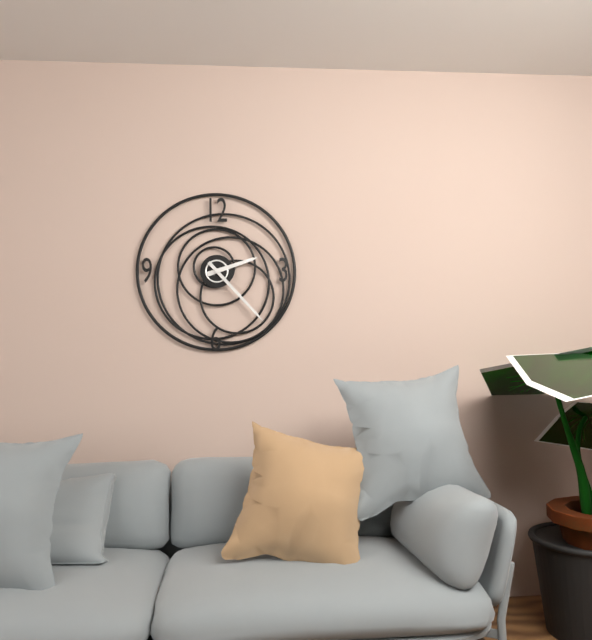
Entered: 2.23
